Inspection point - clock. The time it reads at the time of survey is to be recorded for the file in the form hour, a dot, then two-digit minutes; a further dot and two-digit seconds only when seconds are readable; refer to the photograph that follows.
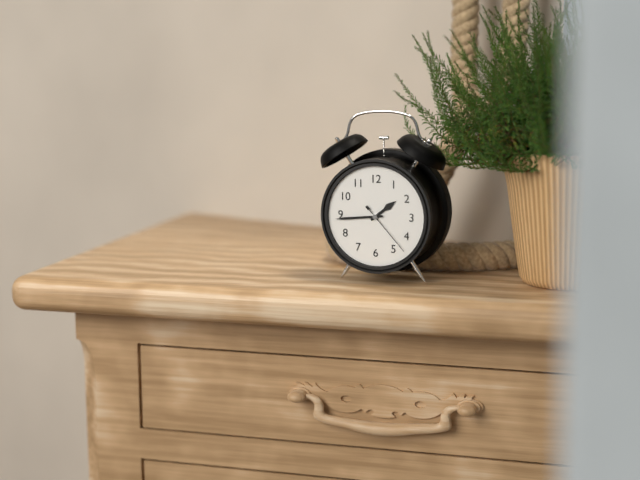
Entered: 1.44.23
